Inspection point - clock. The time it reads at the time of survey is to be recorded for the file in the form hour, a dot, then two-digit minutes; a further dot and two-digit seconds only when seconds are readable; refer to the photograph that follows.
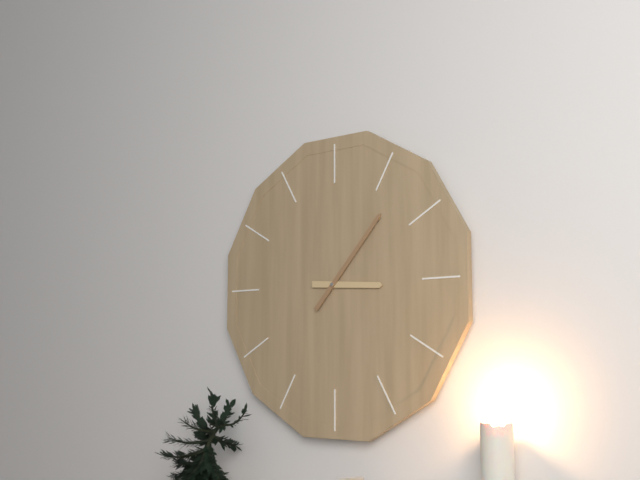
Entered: 3.07
